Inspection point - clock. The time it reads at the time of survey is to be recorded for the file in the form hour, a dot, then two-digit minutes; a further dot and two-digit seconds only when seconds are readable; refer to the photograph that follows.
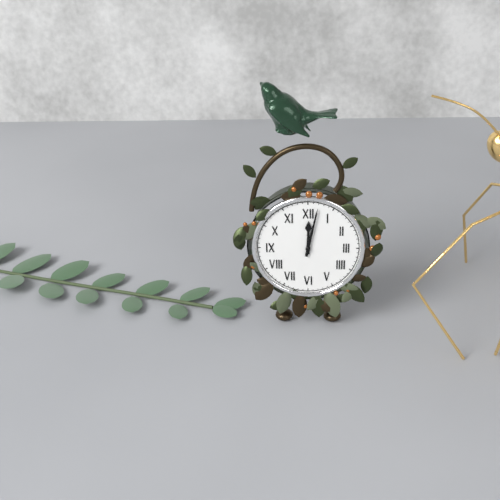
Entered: 12.02
